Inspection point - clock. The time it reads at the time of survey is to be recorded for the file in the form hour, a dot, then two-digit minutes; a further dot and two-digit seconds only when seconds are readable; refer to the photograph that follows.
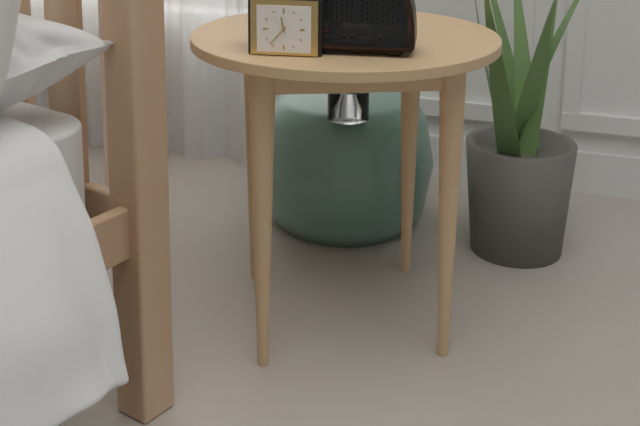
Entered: 11.37
